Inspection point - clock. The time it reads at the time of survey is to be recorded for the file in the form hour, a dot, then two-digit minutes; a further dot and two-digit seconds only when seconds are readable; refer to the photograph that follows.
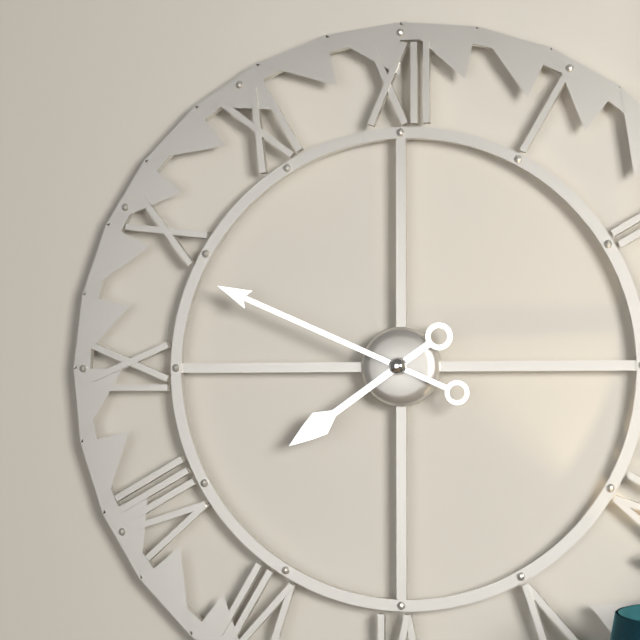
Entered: 7.49
